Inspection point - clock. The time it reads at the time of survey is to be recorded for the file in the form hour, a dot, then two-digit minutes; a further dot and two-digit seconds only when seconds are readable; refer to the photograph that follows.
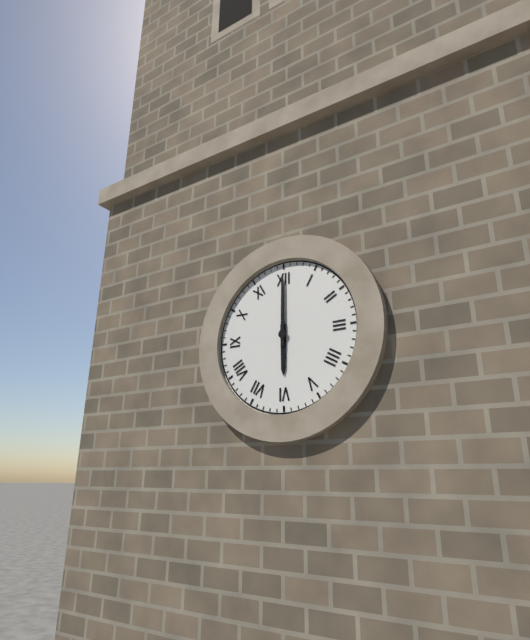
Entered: 6.00
